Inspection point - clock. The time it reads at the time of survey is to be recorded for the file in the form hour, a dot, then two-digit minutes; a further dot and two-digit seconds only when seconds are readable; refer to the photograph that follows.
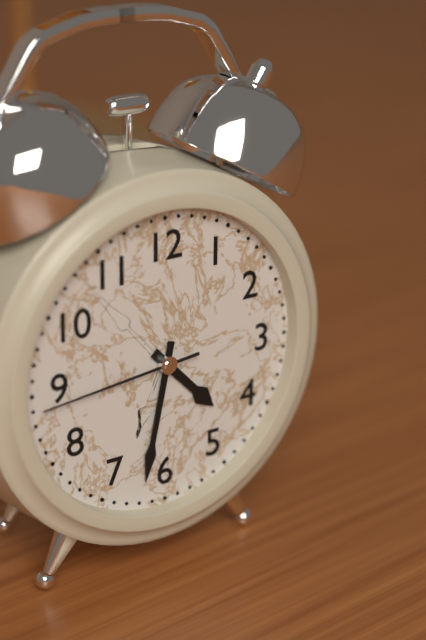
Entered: 4.32.44
